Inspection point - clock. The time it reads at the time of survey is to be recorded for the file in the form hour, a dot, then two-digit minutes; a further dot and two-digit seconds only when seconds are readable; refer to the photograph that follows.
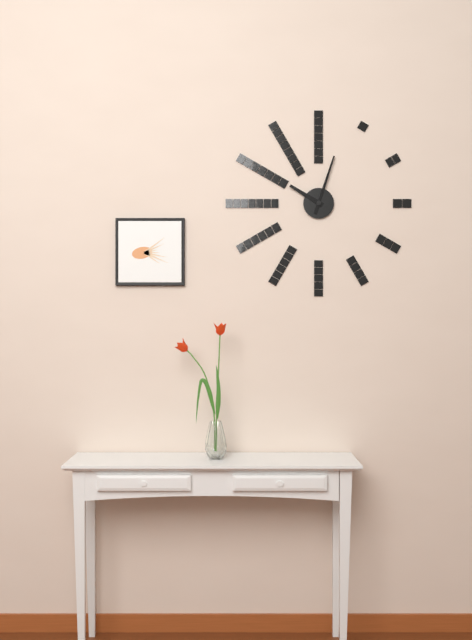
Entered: 10.03
